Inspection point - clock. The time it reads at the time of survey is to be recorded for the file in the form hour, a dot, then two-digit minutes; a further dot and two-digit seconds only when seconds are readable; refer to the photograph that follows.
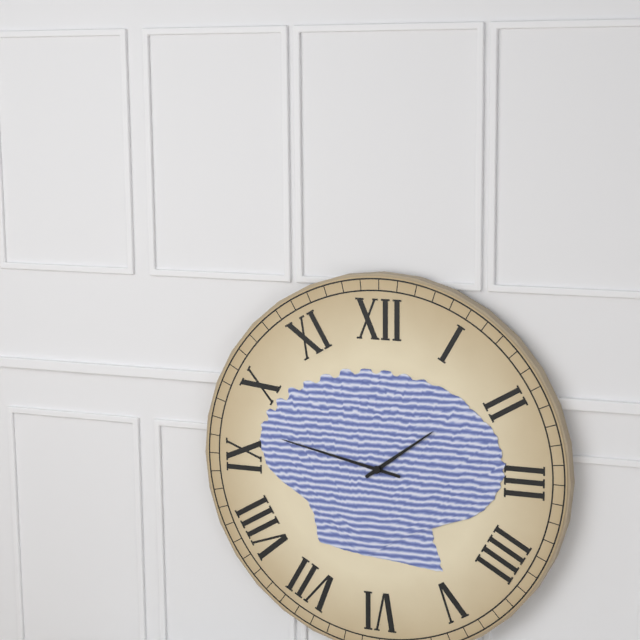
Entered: 1.47
